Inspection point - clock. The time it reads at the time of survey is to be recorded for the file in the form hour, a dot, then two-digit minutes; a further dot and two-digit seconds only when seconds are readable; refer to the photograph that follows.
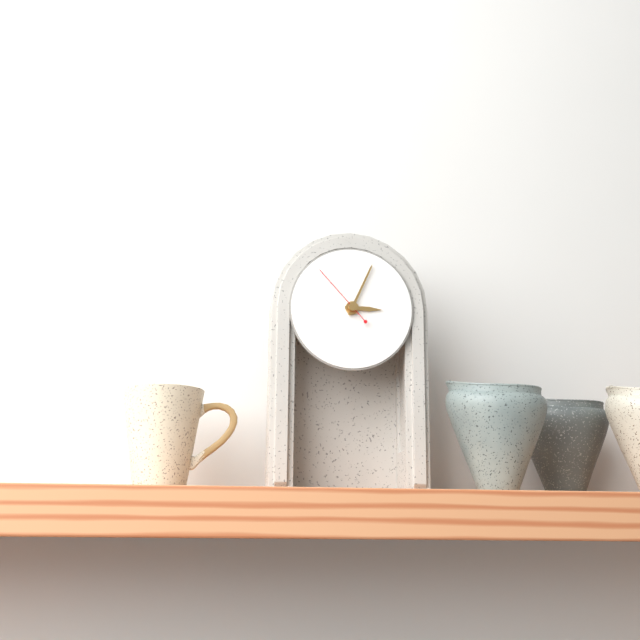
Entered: 3.04.53
